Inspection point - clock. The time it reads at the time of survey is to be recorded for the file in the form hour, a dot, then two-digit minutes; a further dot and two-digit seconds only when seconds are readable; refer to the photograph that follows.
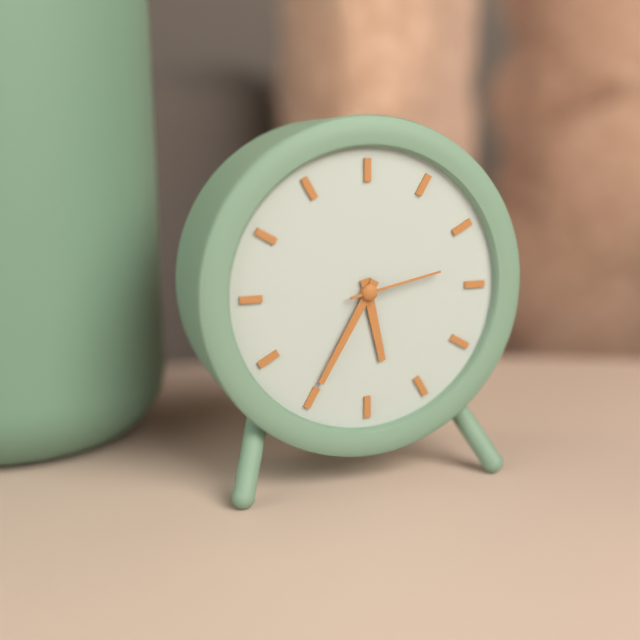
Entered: 5.35.13
